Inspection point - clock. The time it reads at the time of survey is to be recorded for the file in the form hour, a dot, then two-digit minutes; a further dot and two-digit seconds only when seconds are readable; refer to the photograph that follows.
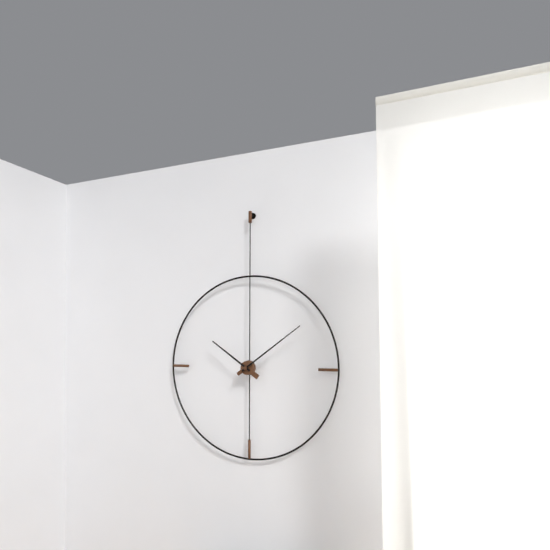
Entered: 10.09
